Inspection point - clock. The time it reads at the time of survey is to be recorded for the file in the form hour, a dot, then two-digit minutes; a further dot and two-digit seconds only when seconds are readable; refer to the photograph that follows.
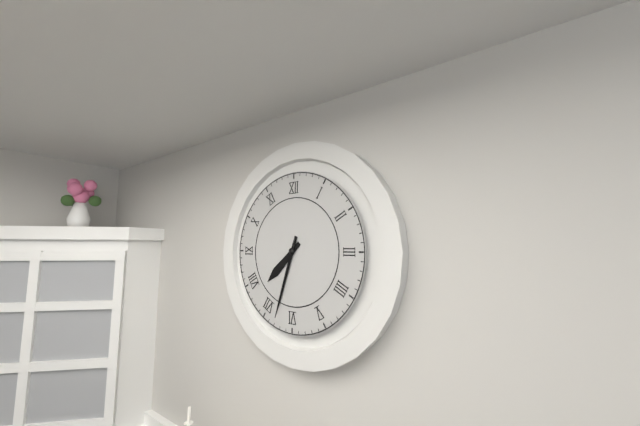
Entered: 7.33
